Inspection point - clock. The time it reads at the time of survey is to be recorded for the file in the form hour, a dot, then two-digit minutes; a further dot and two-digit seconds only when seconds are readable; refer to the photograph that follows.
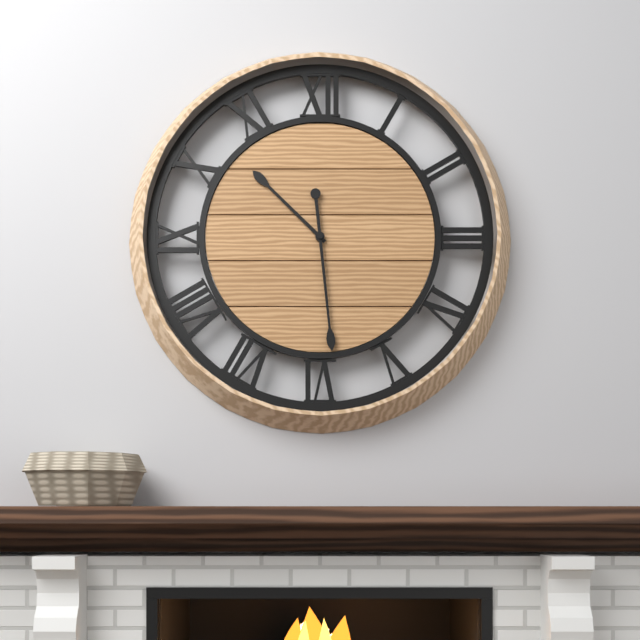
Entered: 10.29
